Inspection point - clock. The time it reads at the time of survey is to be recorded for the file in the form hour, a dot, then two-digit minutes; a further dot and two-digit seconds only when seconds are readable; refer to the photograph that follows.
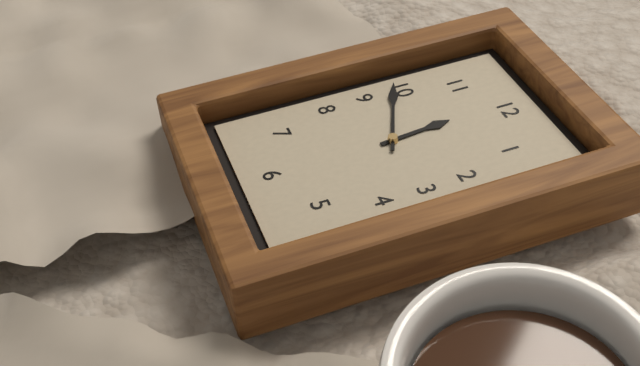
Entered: 11.49
